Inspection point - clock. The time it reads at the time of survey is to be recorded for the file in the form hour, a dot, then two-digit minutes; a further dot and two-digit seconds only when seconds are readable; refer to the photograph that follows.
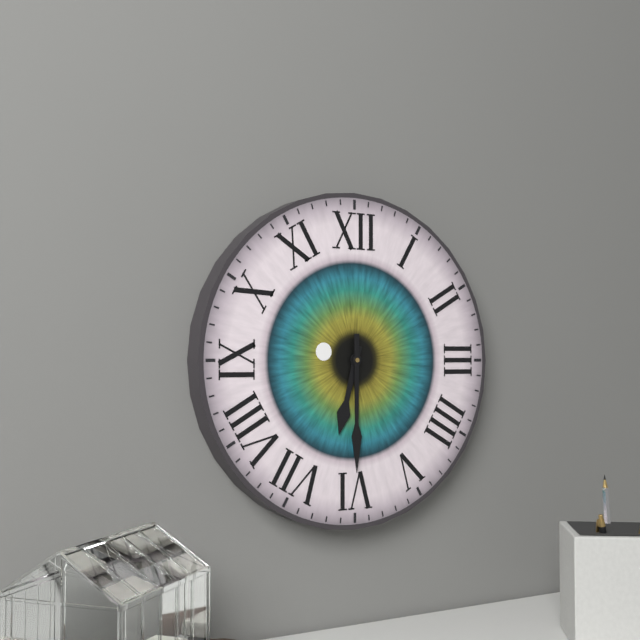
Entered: 6.30
